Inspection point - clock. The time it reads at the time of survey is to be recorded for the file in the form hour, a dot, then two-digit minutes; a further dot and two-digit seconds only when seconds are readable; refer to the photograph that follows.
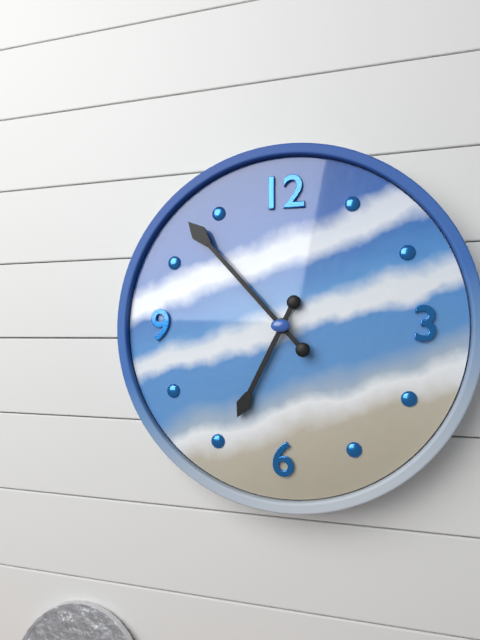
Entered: 6.53
